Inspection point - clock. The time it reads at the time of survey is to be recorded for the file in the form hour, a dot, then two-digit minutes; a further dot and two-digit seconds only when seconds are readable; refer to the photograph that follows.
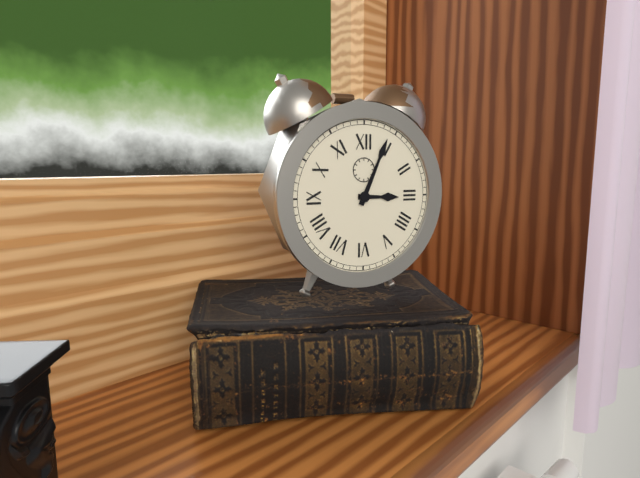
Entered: 3.04
